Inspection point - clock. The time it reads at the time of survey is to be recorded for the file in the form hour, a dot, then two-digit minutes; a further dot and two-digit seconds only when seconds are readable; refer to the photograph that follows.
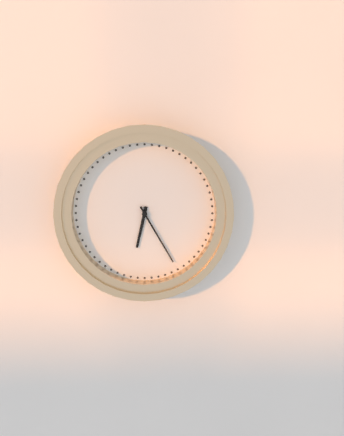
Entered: 6.25
